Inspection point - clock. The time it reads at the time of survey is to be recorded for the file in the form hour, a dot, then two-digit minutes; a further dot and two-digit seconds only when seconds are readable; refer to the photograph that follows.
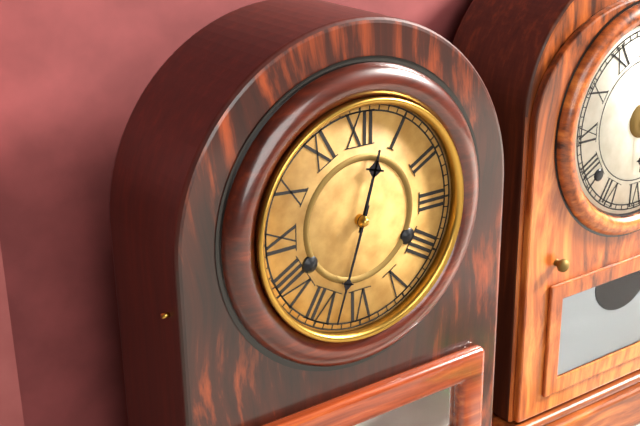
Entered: 12.33
